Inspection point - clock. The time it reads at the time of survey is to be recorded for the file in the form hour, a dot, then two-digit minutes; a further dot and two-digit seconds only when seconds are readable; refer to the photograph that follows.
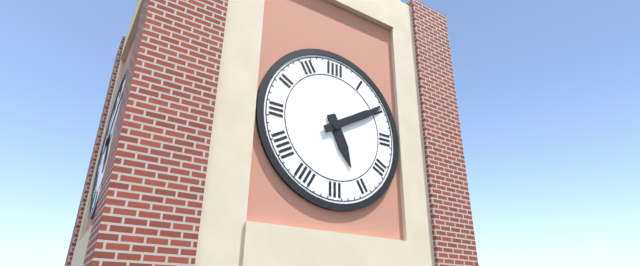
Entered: 5.10
